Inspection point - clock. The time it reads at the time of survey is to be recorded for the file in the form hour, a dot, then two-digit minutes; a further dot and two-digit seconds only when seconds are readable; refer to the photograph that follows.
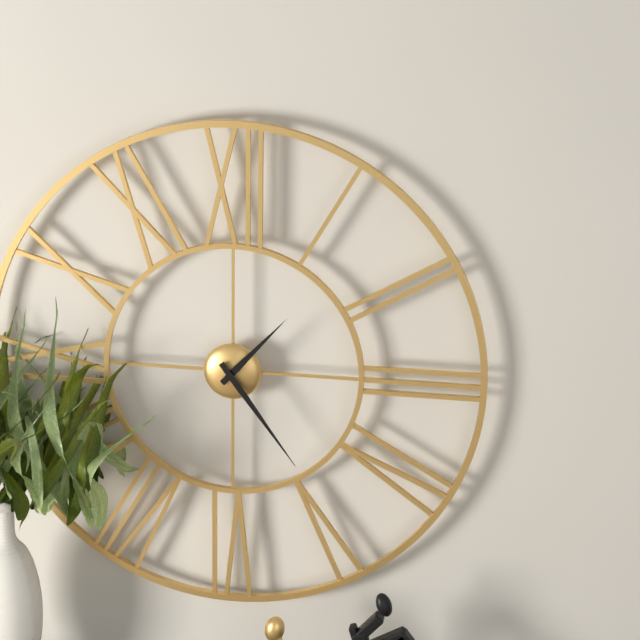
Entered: 1.24
